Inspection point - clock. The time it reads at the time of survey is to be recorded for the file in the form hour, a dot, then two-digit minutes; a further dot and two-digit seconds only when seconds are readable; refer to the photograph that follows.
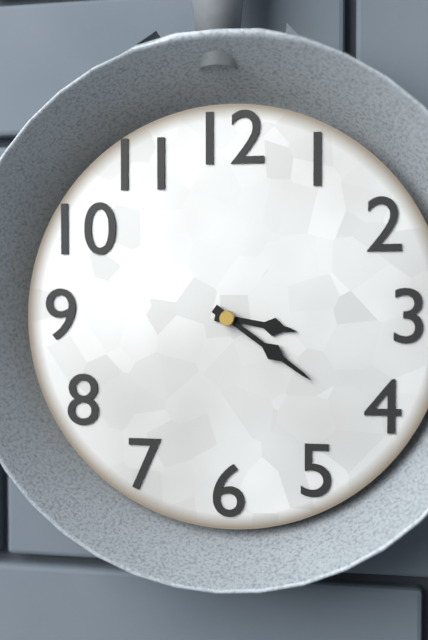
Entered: 3.21
